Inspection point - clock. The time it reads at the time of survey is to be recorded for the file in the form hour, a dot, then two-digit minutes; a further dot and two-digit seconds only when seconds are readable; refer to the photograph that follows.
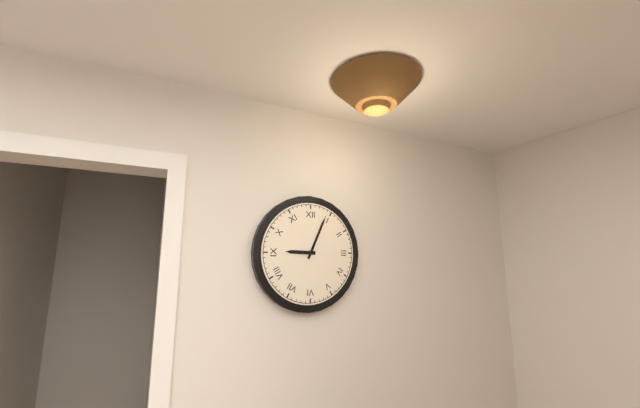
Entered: 9.04
